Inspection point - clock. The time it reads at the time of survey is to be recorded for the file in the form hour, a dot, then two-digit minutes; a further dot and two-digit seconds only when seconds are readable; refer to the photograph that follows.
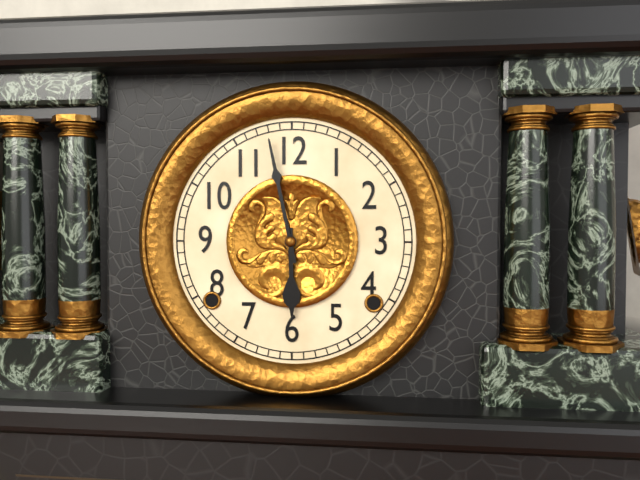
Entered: 5.58
